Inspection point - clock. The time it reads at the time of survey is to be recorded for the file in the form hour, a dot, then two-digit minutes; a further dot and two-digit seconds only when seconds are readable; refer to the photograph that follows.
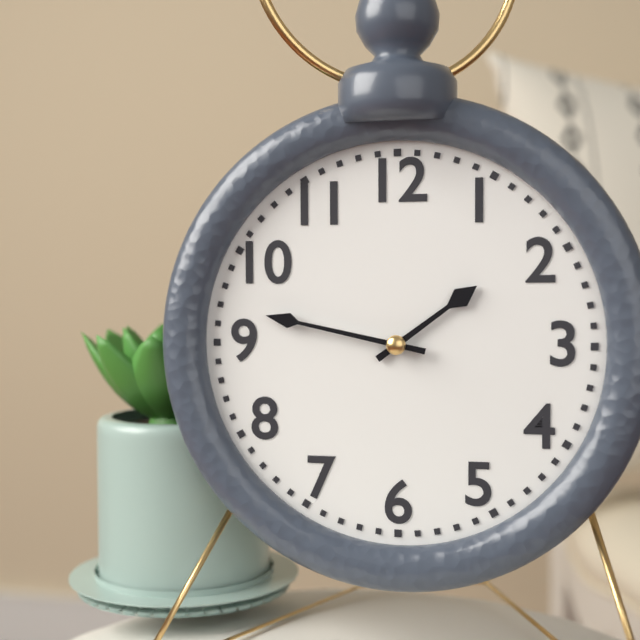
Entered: 1.47
